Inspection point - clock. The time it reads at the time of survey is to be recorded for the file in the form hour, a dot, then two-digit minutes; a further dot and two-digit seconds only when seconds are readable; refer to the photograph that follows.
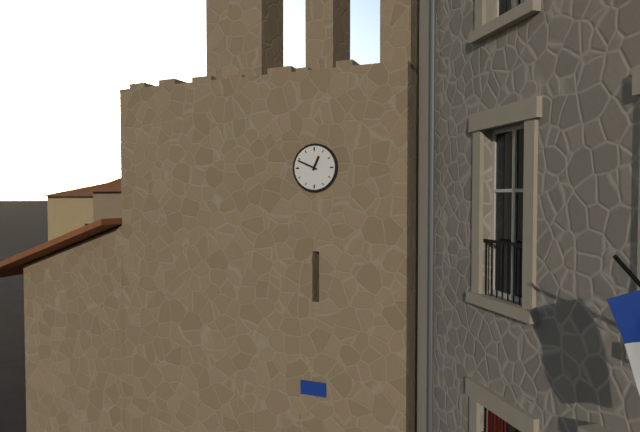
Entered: 12.49
